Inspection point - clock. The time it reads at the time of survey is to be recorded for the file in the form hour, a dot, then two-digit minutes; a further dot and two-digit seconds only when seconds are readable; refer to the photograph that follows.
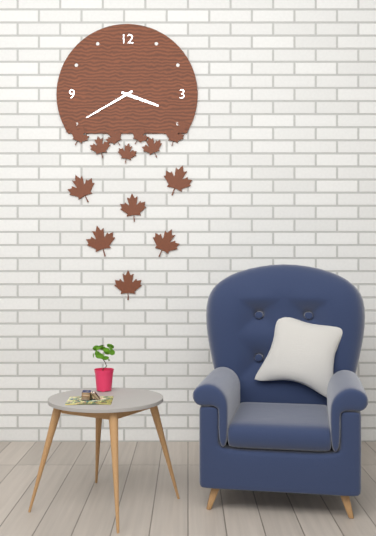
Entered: 3.40
